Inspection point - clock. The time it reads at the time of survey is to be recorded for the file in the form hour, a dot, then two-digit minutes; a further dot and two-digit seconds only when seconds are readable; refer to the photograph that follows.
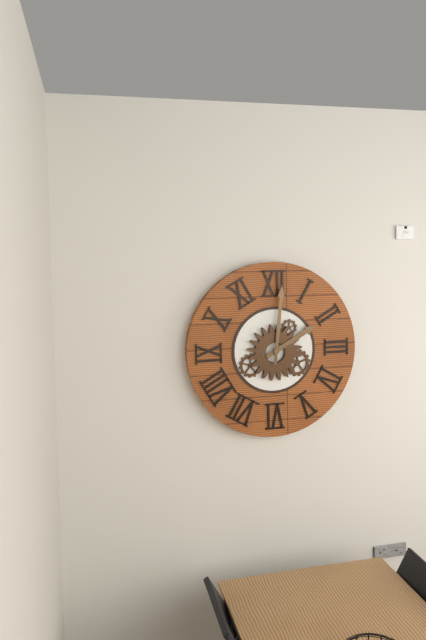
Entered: 2.01
